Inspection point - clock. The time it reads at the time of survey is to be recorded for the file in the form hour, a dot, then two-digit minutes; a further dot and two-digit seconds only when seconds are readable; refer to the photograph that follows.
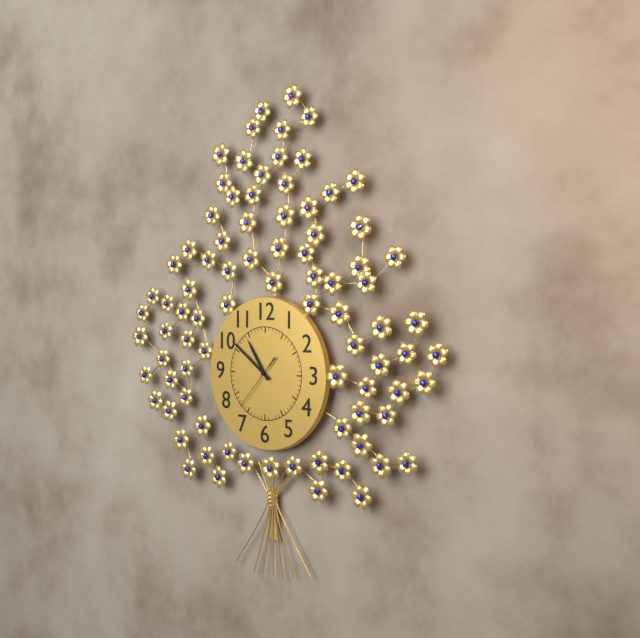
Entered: 10.51
